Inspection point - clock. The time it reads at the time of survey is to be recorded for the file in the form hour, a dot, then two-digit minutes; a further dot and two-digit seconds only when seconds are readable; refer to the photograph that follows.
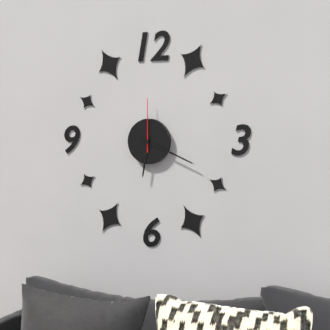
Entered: 6.19.00
